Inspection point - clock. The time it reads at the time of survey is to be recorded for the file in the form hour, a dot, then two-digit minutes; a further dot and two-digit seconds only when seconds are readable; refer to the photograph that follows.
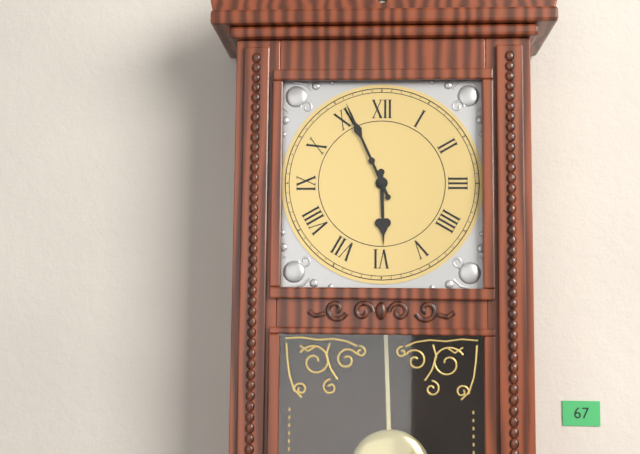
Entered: 5.56
